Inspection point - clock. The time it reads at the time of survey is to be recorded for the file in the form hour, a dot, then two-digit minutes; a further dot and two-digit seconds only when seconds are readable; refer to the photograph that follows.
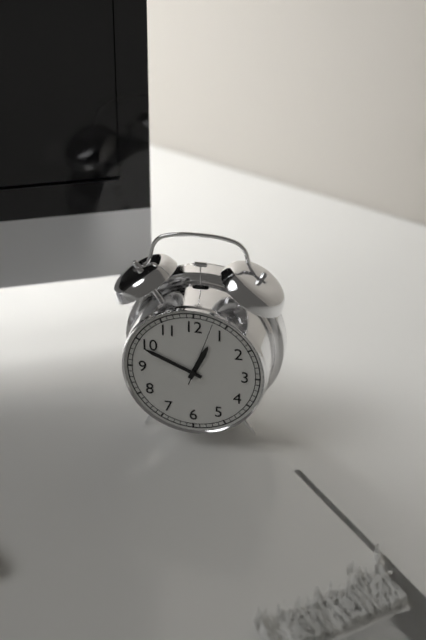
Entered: 12.49.03
